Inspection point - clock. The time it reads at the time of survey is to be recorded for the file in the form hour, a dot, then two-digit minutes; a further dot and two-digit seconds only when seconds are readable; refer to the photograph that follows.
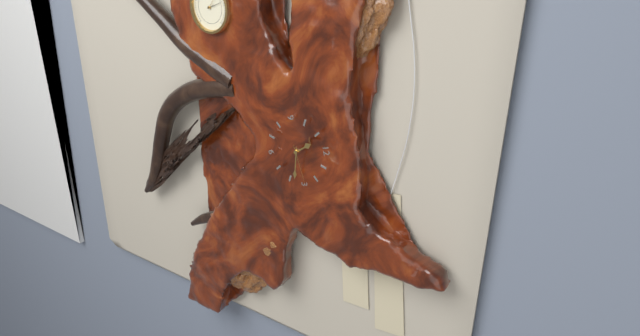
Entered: 11.18
